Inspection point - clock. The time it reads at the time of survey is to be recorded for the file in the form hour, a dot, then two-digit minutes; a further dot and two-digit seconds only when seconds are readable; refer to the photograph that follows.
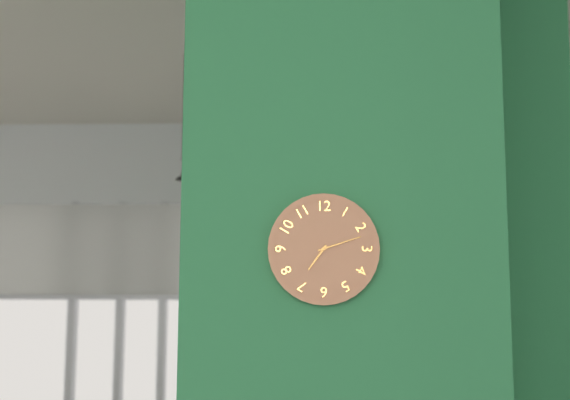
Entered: 7.12
